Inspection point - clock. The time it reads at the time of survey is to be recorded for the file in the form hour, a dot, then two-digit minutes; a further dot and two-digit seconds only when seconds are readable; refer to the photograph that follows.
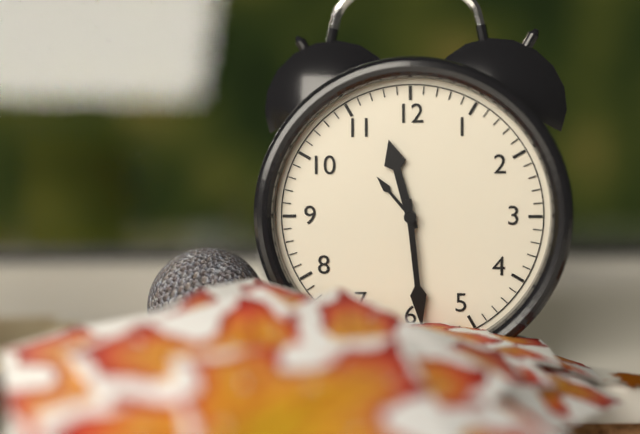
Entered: 11.29
